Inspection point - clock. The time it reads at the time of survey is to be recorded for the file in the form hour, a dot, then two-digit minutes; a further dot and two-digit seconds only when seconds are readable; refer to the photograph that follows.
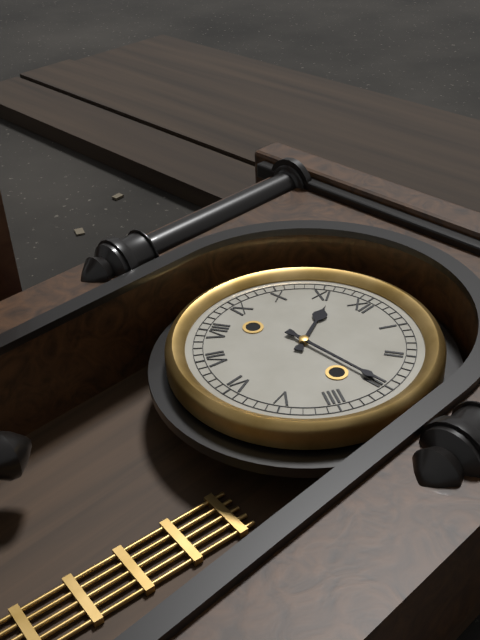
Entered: 11.15
